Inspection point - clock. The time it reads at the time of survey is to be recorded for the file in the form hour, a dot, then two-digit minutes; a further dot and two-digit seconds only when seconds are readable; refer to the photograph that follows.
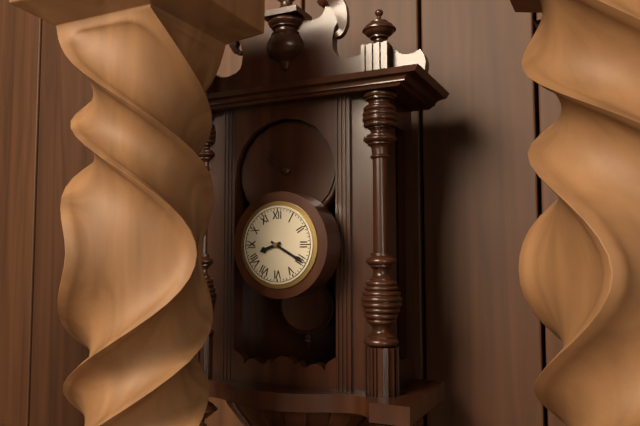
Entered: 8.20
